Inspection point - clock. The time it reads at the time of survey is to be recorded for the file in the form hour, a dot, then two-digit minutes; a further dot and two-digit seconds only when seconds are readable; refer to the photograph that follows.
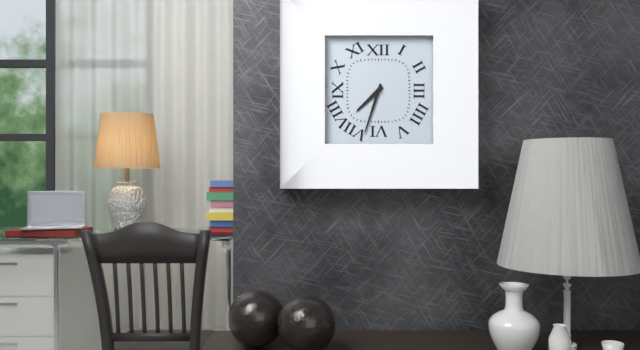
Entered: 7.33
